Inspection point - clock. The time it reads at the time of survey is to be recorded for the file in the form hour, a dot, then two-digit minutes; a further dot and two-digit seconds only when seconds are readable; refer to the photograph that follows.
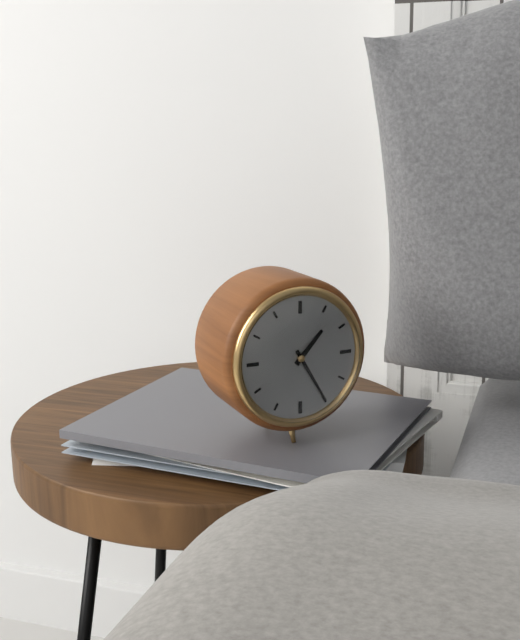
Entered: 1.25
